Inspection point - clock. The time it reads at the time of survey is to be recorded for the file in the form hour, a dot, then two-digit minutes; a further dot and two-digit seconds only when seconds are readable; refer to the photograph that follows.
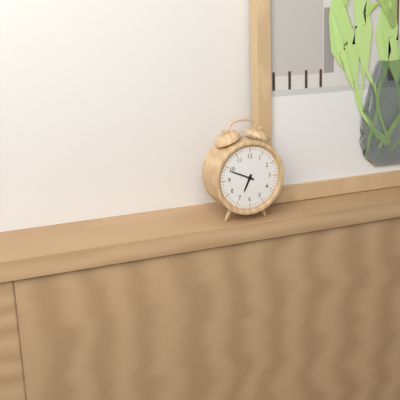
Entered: 6.49
